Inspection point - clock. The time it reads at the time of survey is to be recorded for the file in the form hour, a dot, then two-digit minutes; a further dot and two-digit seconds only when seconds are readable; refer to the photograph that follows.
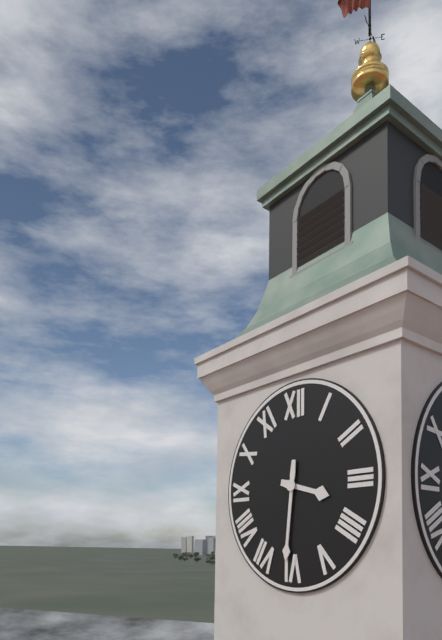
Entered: 3.31
